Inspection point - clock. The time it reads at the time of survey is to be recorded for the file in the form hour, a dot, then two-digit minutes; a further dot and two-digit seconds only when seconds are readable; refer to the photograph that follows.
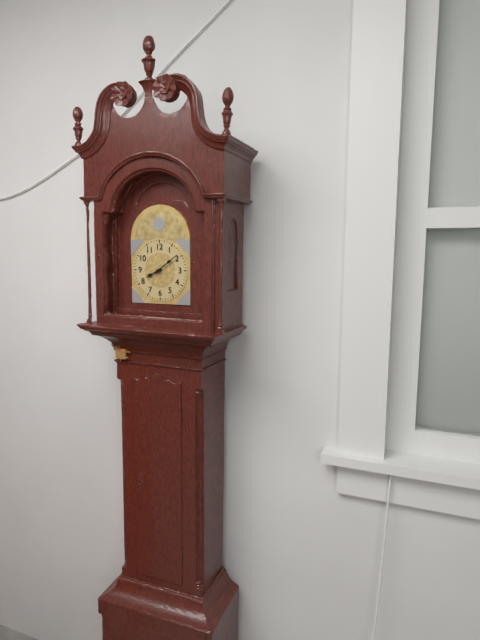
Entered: 8.09
